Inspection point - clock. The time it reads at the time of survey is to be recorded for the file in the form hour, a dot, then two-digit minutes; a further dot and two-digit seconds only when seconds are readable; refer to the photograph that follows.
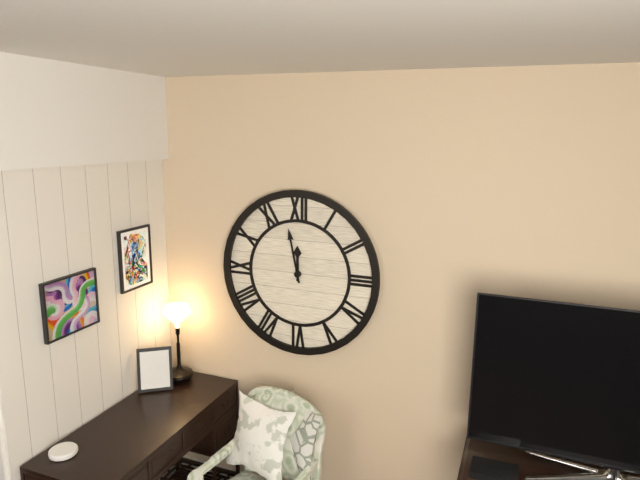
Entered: 11.58
